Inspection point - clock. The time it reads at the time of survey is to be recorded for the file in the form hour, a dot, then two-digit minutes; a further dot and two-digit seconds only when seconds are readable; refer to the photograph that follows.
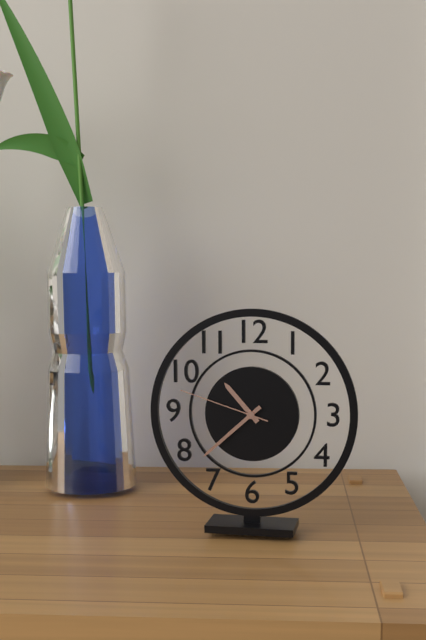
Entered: 10.38.48
